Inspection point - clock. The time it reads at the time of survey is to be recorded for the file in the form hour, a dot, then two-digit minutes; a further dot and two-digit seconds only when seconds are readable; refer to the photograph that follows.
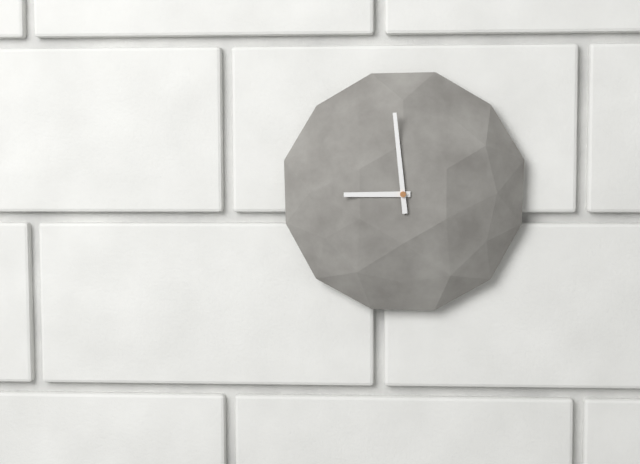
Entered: 8.59
